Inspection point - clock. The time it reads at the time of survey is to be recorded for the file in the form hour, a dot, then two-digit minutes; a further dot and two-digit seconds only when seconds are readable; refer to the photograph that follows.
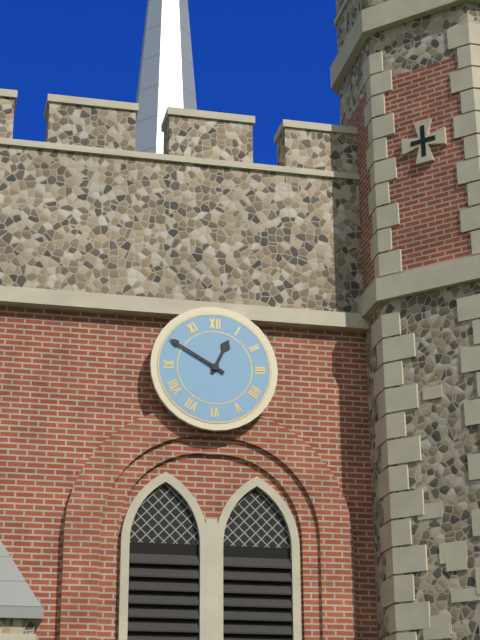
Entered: 12.50
